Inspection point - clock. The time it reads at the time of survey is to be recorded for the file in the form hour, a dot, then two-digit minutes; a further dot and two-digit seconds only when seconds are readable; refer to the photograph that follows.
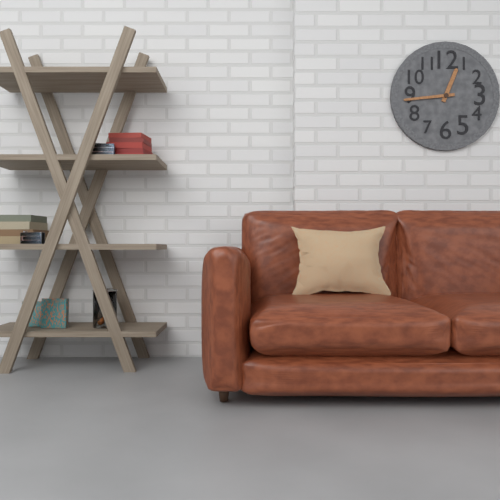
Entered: 12.44
